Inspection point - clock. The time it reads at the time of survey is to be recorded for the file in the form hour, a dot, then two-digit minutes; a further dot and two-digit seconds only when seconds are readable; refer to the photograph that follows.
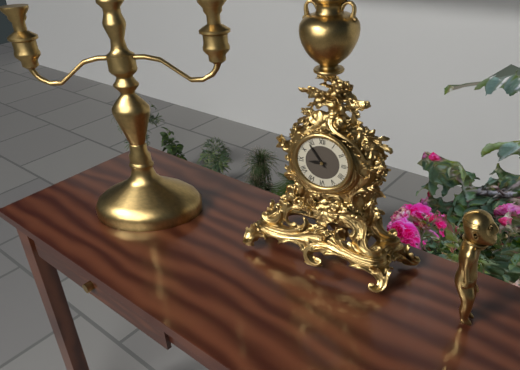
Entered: 8.54
